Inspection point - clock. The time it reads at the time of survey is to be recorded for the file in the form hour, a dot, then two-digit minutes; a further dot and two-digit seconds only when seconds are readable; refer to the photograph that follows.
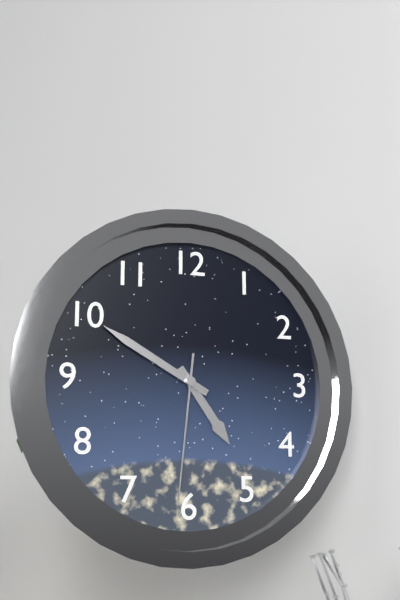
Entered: 4.50.31
